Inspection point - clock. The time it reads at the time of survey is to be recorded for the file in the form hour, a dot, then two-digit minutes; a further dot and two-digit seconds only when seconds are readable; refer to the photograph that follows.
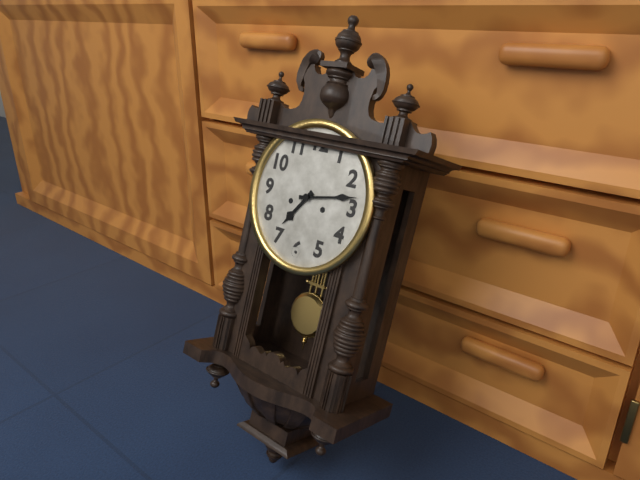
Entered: 7.13
